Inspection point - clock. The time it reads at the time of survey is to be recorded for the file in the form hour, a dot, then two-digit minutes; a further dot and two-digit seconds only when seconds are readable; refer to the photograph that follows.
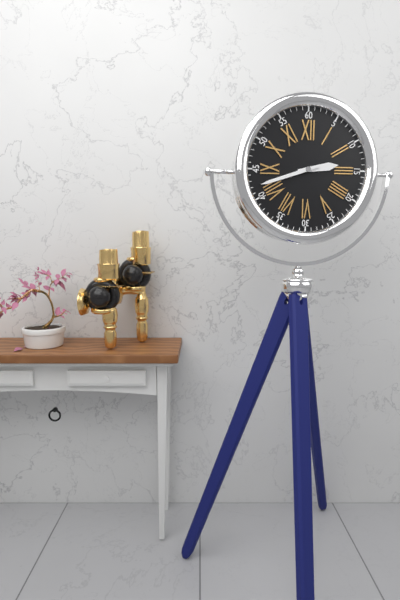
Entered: 2.42
